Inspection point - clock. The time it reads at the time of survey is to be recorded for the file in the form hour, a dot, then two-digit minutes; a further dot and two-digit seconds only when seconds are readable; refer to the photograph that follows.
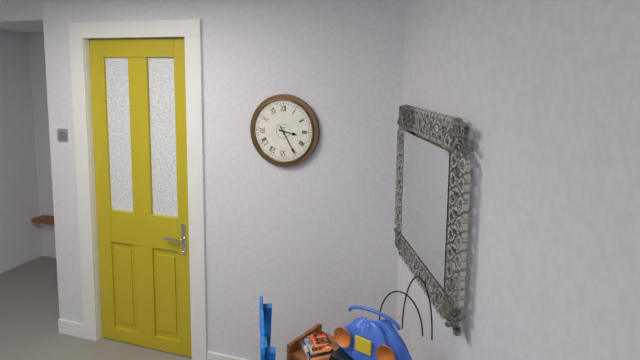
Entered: 3.25
